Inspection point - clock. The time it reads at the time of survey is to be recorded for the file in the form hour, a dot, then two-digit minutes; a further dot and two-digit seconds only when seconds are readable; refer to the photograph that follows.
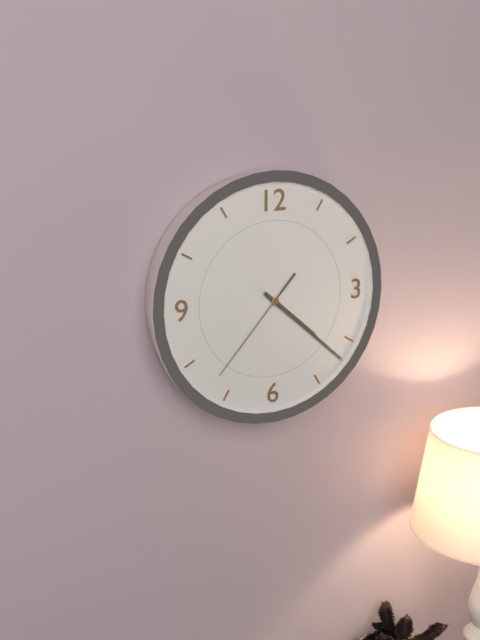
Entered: 4.22.37
